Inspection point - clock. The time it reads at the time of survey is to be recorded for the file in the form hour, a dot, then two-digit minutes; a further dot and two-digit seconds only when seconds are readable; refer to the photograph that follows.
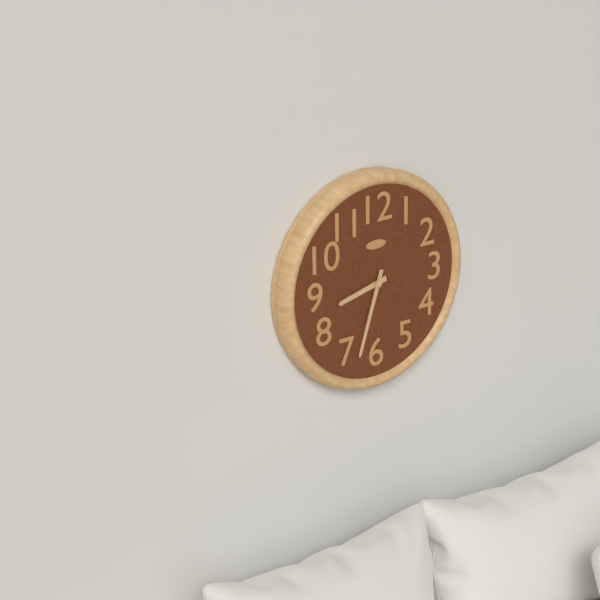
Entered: 8.33
